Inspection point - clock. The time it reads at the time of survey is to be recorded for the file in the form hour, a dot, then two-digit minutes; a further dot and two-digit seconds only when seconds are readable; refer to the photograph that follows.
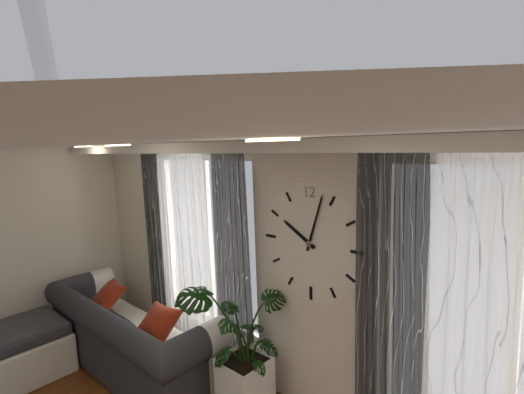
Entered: 10.03
